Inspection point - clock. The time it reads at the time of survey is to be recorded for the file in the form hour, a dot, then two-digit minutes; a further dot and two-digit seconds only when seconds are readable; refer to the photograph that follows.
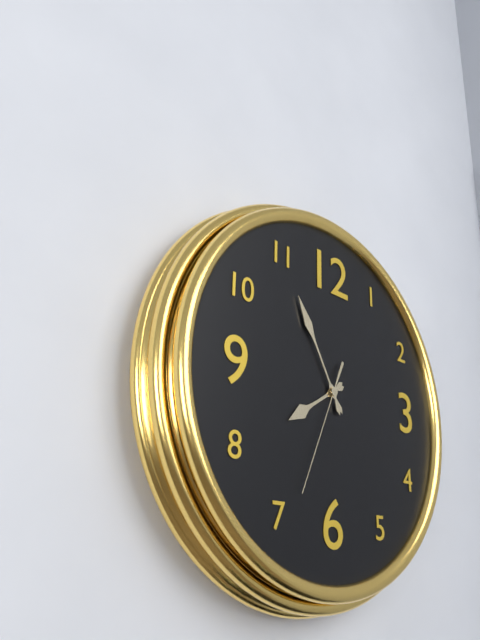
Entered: 7.55.34
